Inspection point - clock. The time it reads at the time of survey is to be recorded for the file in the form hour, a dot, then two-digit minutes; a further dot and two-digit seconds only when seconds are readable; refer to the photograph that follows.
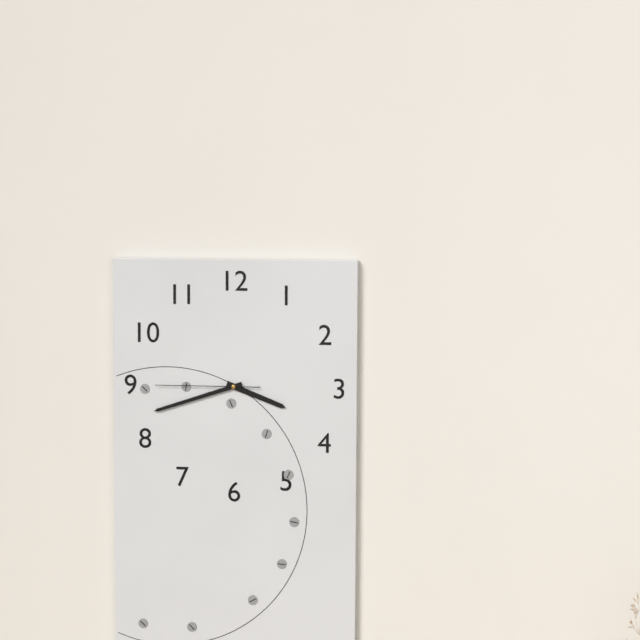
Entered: 3.42.45
